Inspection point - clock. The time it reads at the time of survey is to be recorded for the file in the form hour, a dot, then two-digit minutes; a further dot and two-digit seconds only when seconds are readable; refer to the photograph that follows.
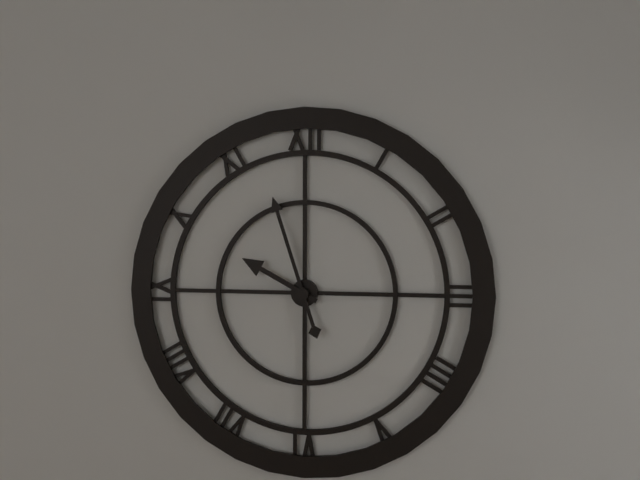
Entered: 9.57
